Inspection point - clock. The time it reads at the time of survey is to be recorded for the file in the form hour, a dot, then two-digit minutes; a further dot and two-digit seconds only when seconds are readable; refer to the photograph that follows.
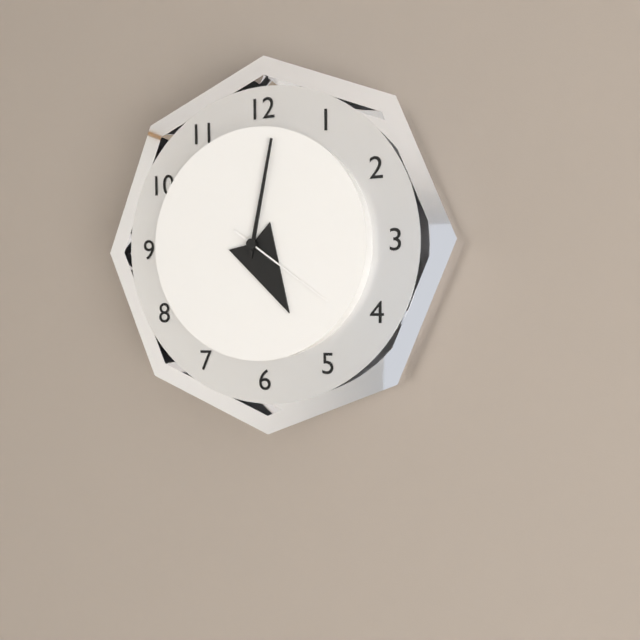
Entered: 5.02.21
